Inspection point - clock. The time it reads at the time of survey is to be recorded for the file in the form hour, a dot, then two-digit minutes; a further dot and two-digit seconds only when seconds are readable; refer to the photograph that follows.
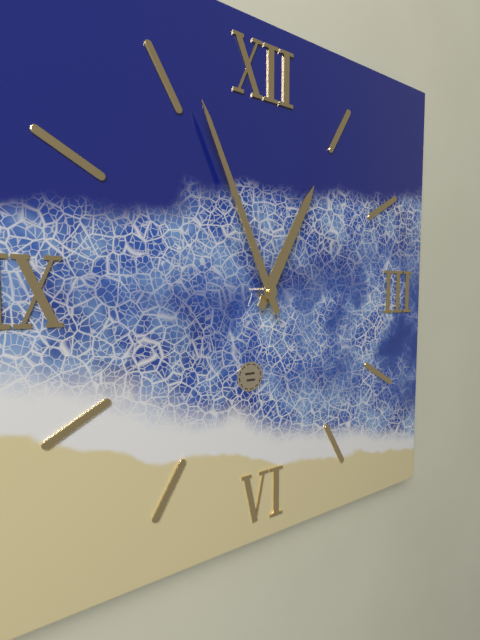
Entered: 12.56
